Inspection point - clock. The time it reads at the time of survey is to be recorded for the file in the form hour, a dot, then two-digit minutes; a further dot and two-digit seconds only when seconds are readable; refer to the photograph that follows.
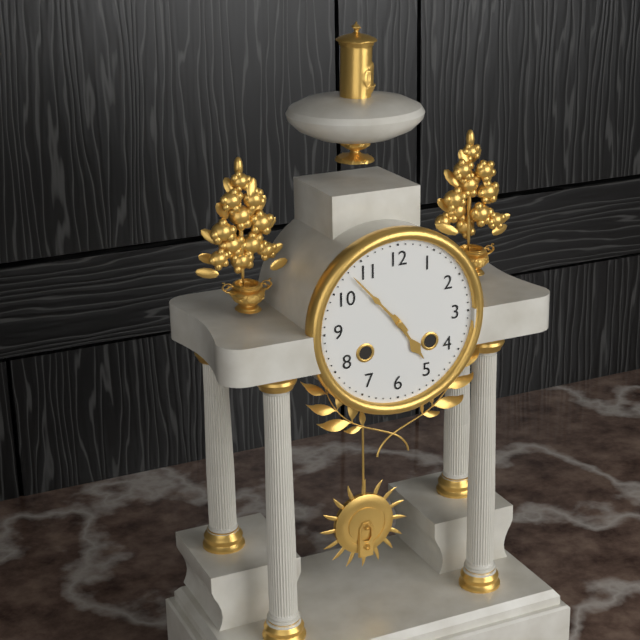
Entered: 4.53
